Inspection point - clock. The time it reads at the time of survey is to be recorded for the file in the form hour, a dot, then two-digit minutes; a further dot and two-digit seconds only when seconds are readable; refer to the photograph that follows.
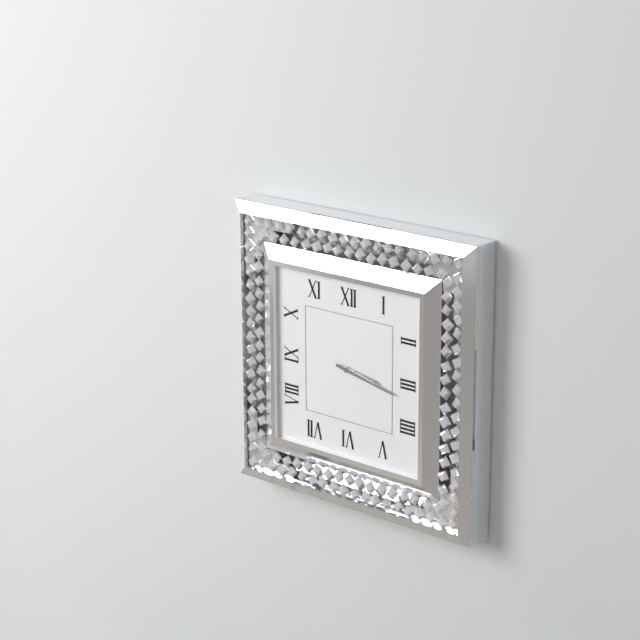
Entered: 3.17
